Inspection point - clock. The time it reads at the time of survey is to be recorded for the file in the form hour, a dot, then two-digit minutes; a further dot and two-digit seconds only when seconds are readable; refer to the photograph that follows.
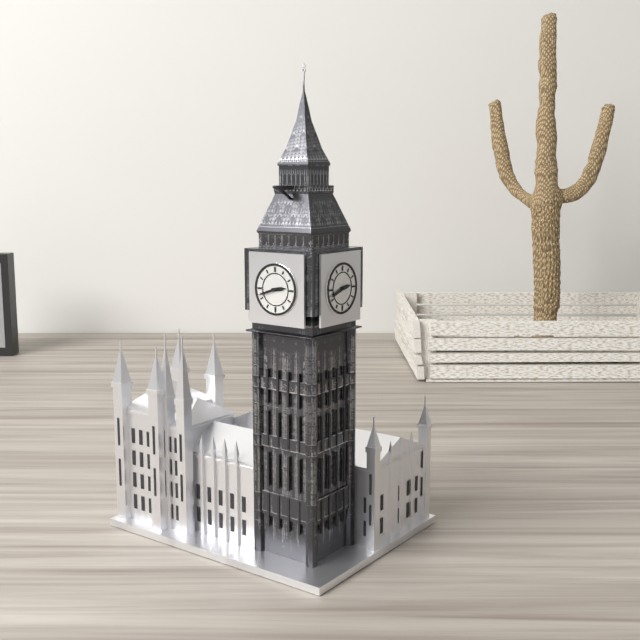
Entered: 2.42
